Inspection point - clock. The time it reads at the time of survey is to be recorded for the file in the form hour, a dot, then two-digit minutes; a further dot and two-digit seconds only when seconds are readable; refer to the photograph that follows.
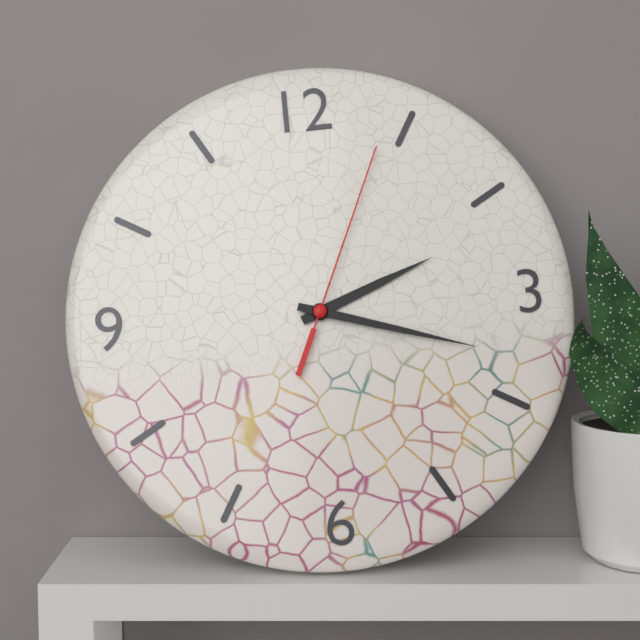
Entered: 2.18.04
